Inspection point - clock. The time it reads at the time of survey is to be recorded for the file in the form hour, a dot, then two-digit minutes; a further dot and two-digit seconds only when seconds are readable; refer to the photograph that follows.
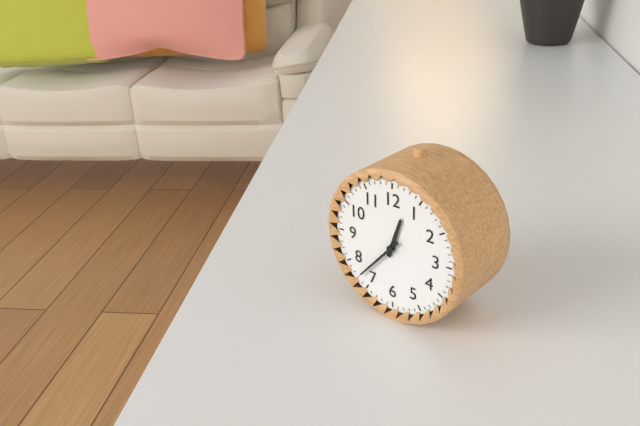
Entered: 12.37
